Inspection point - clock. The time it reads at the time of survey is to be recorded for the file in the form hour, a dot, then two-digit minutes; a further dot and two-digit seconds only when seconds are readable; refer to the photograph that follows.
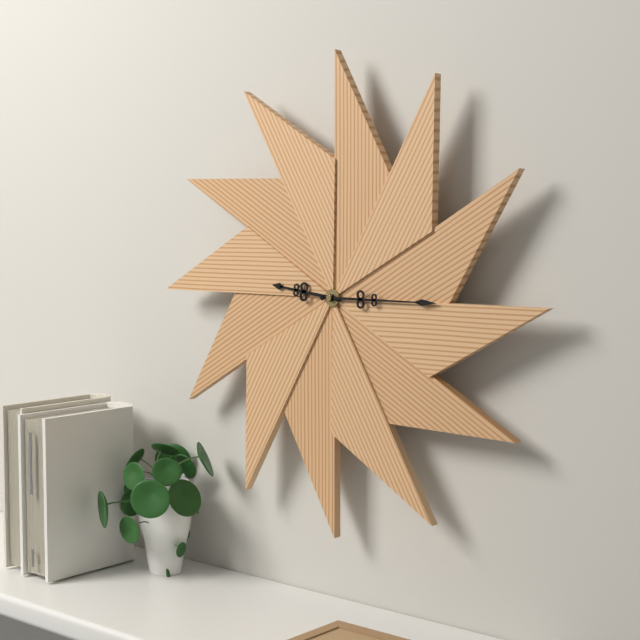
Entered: 9.15
